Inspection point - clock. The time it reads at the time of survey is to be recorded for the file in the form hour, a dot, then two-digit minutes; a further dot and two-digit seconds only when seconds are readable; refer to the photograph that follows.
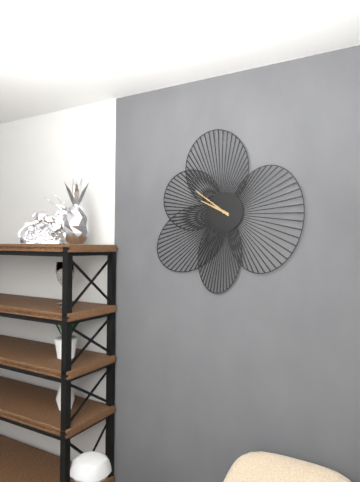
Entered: 9.51
